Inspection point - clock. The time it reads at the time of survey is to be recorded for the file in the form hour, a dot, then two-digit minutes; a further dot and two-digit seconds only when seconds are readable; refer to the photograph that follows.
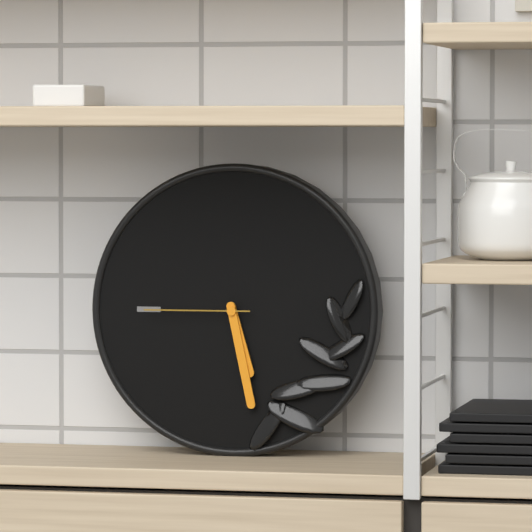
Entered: 5.28.45
